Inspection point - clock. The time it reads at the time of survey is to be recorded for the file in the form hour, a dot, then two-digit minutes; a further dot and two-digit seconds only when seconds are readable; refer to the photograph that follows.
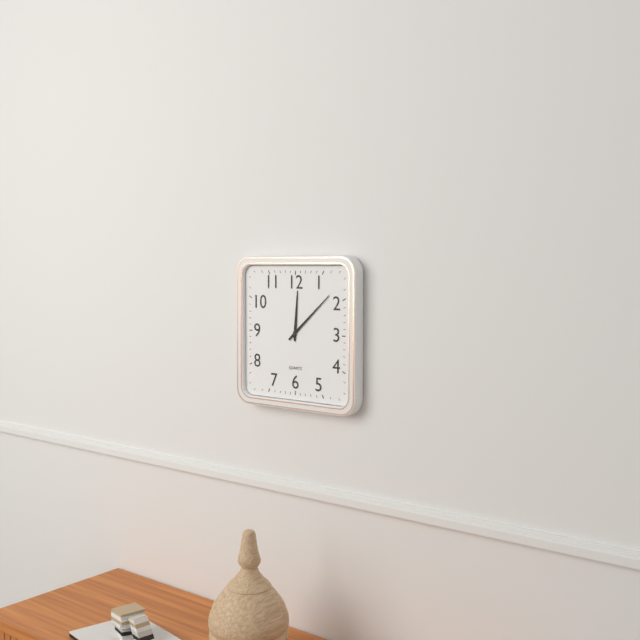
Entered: 12.08
